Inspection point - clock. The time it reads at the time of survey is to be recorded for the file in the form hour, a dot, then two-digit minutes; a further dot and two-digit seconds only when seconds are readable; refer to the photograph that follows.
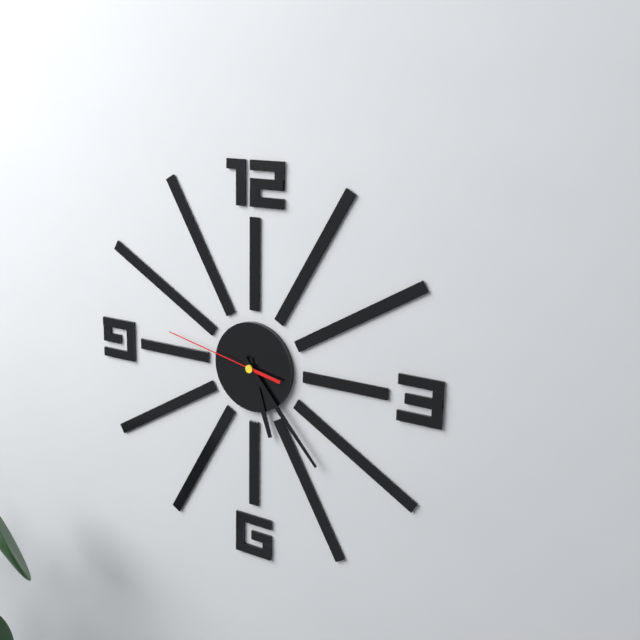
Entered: 5.23.47
